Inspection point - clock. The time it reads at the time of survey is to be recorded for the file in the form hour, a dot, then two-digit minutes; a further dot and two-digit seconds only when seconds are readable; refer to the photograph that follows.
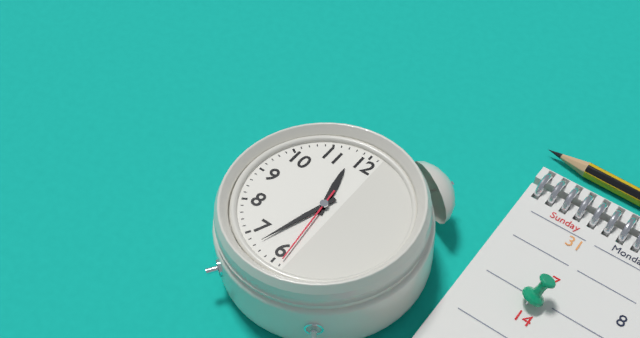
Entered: 11.33.29
